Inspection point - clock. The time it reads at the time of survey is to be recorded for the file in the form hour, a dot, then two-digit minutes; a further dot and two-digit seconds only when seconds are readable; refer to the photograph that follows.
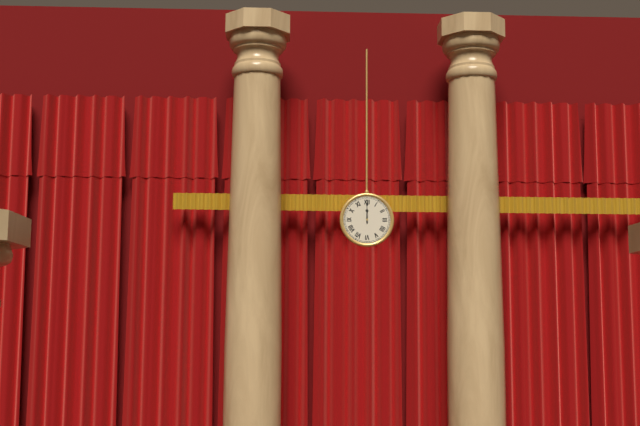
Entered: 12.00
